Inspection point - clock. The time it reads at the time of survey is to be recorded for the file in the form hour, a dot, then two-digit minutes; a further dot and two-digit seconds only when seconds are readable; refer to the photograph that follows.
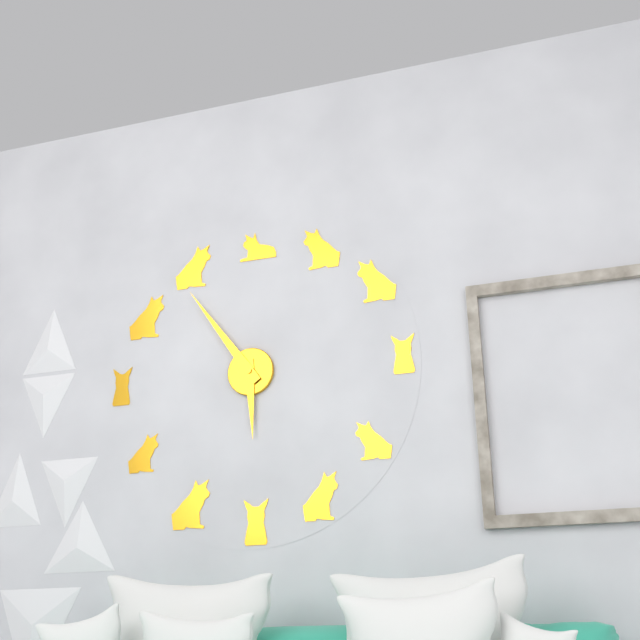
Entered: 5.54
